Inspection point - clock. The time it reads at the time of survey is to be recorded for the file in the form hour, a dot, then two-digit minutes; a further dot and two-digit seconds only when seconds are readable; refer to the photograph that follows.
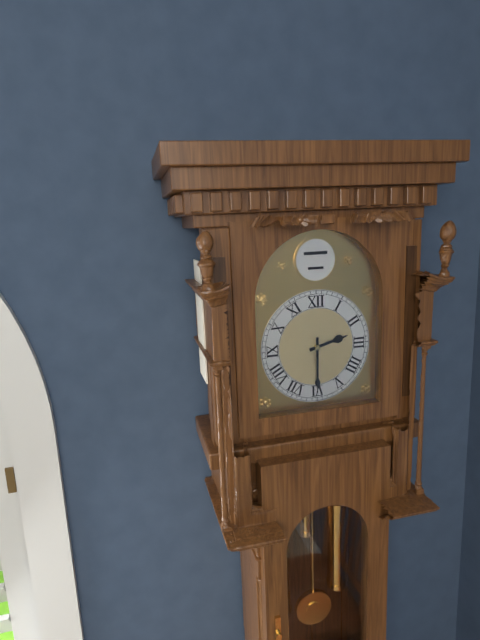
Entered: 2.30
